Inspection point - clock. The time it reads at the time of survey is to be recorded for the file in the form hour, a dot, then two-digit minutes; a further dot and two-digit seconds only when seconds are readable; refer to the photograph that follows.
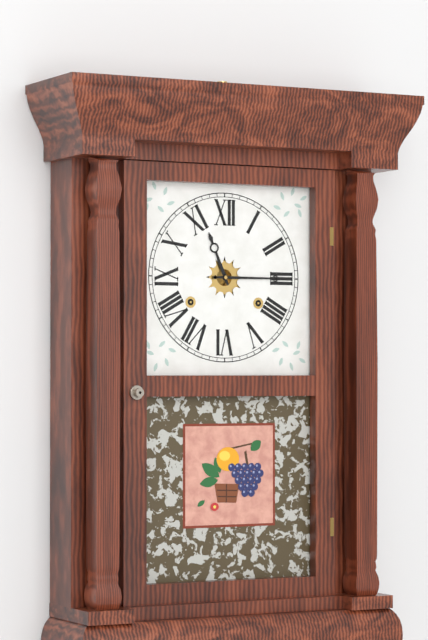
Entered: 11.15
